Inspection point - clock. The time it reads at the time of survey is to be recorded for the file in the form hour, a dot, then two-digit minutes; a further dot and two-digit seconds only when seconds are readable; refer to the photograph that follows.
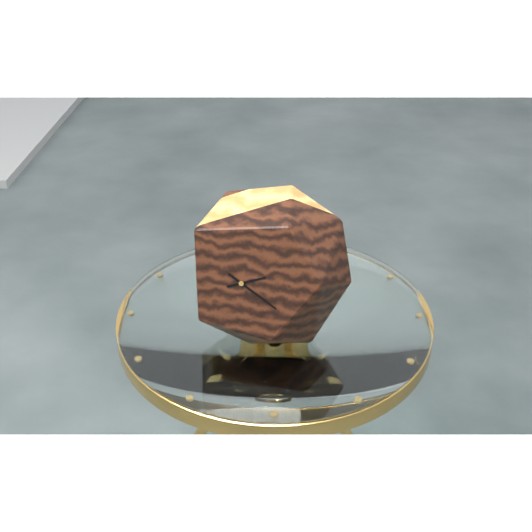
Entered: 2.20
